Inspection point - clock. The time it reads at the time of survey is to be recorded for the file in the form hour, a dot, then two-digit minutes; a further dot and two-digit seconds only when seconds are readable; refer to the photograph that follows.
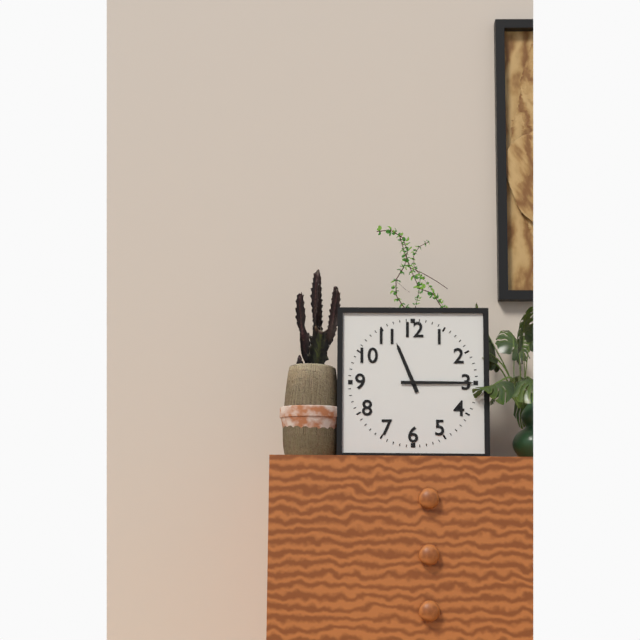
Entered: 11.15
